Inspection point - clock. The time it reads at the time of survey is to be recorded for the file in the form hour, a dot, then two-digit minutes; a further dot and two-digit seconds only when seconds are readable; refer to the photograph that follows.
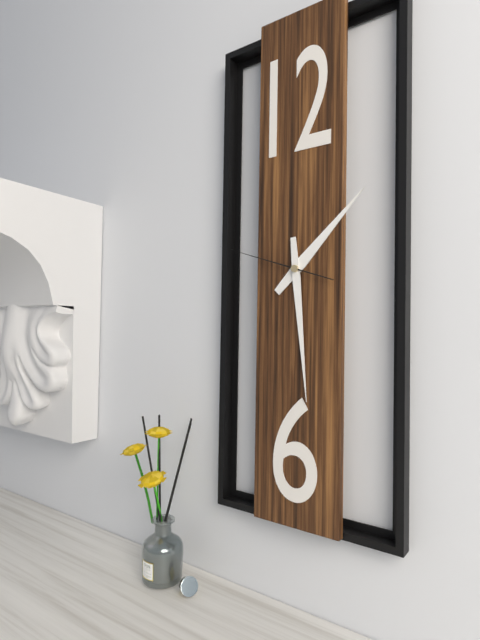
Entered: 1.29.48
